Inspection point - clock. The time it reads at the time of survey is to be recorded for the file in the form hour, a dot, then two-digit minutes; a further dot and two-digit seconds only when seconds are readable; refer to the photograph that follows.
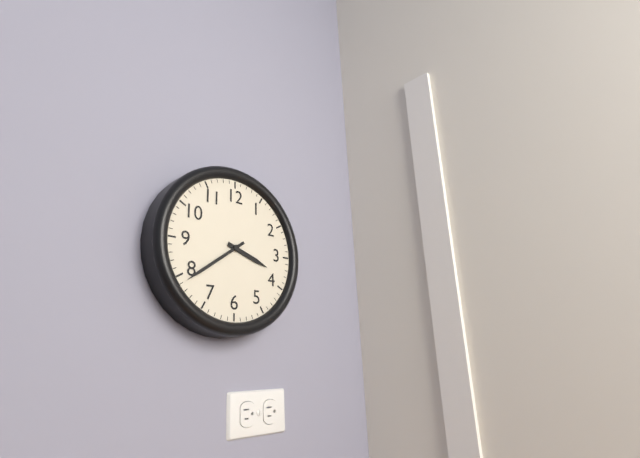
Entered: 3.39
